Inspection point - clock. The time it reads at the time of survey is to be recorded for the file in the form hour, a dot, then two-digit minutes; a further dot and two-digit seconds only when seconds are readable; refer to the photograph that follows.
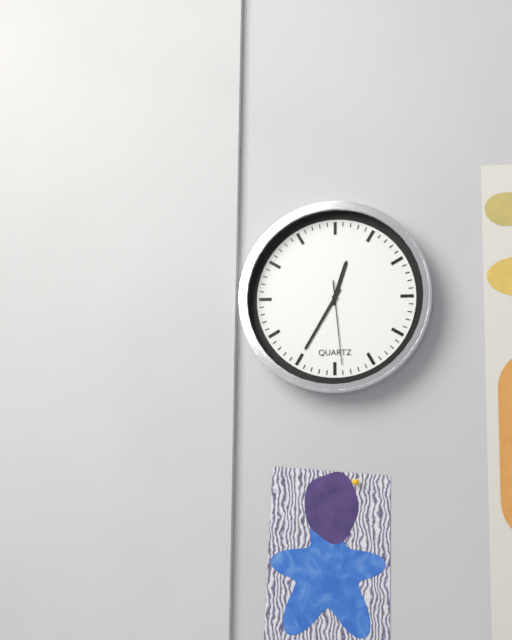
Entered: 12.35.29
